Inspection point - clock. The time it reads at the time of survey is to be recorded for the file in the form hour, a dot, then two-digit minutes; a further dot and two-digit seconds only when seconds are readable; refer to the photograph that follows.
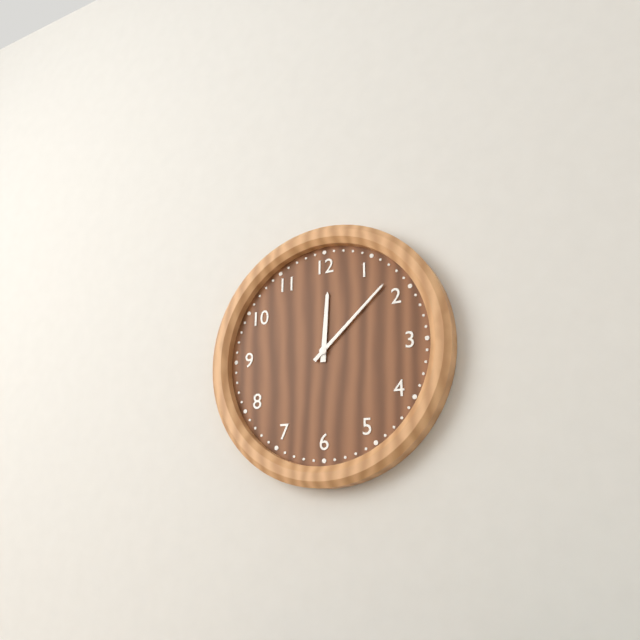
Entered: 12.08
